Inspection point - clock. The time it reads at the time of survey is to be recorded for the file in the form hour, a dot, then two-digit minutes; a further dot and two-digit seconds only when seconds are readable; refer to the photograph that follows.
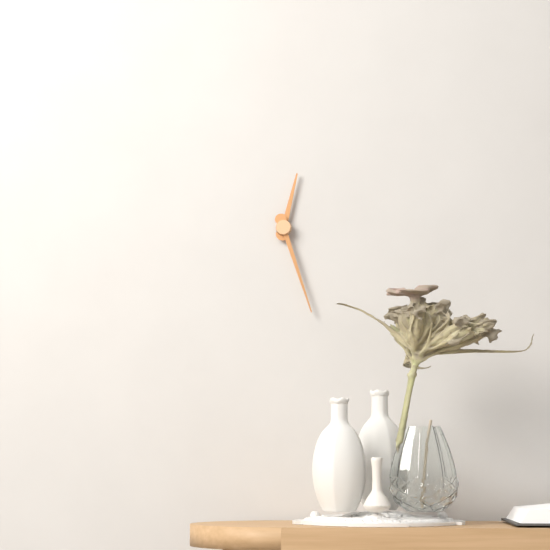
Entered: 12.27
